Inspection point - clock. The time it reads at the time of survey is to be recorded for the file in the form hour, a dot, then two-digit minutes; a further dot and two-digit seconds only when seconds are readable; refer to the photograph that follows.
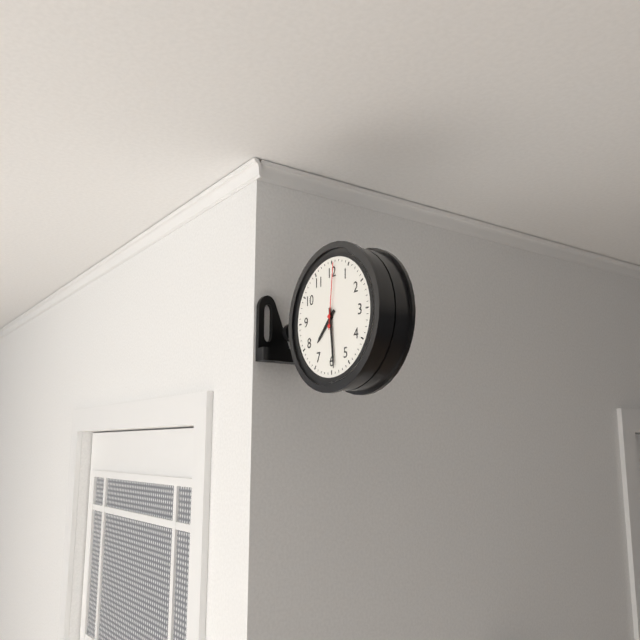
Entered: 7.29.01
